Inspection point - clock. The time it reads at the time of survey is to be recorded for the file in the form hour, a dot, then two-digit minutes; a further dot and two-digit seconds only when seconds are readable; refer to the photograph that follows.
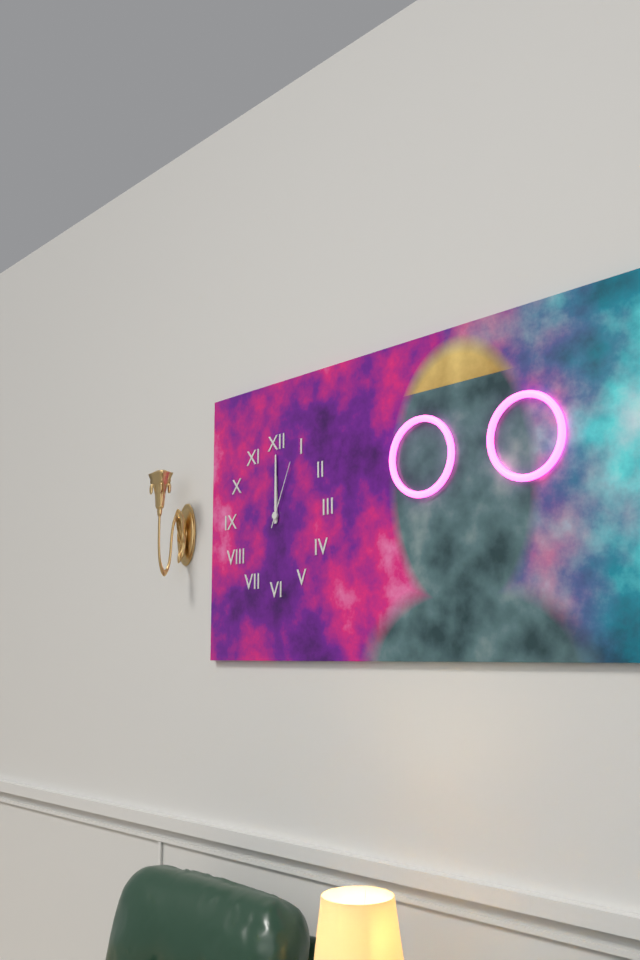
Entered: 12.00.04
